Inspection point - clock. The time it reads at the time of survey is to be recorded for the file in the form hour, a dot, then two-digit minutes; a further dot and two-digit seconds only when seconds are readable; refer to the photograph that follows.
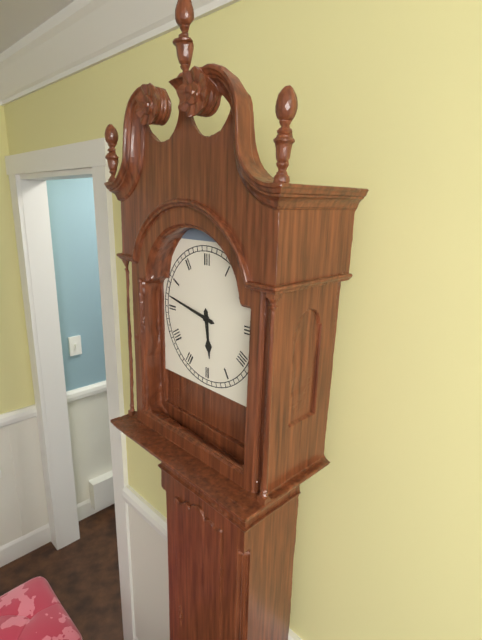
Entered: 5.47
